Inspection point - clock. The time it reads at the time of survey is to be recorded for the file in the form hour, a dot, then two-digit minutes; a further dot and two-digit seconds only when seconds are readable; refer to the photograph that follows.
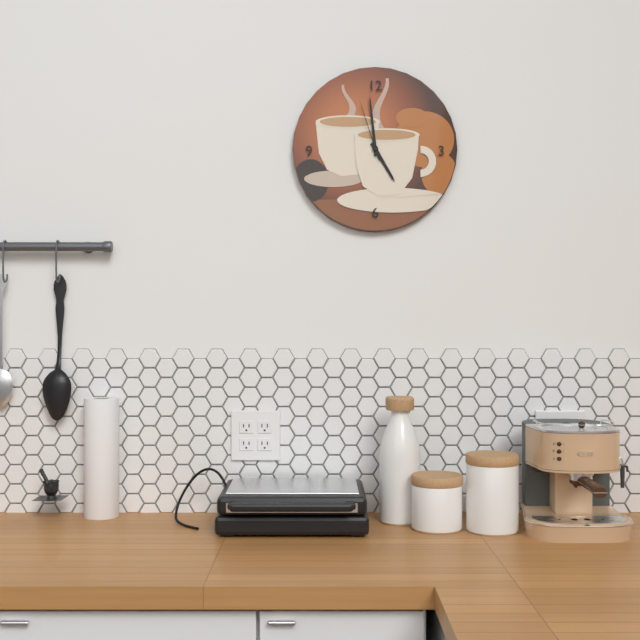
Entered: 4.59.57
